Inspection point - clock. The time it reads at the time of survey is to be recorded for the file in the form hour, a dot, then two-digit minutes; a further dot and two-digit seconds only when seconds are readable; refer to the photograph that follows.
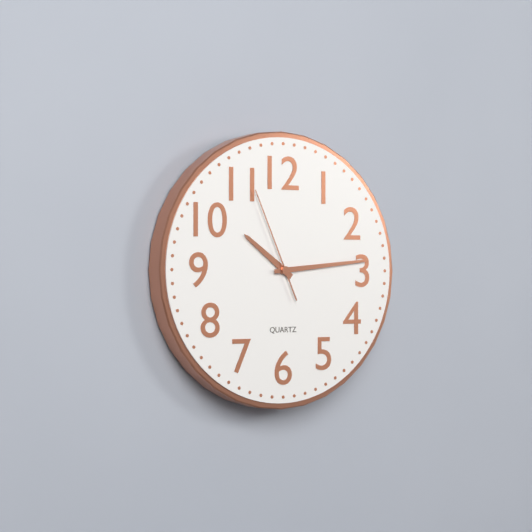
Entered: 10.14.56
